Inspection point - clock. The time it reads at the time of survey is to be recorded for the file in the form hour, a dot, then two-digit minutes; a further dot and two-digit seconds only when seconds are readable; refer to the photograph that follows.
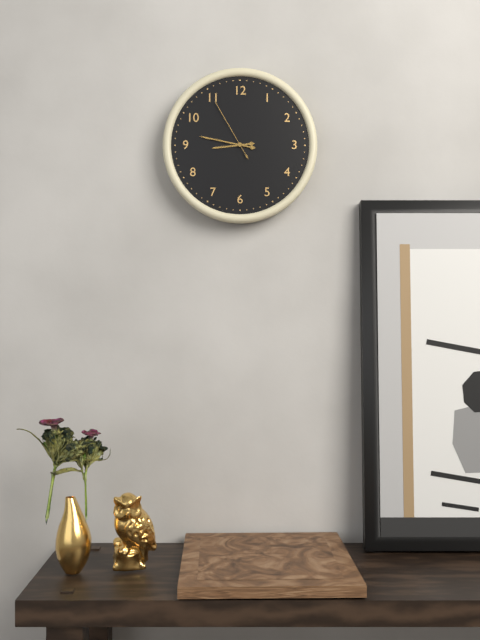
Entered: 8.47.55
